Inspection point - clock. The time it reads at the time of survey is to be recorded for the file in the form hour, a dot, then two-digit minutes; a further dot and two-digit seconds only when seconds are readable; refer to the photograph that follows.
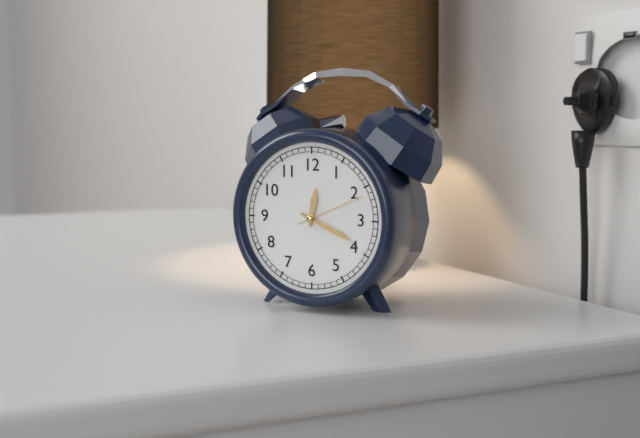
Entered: 12.19.11
